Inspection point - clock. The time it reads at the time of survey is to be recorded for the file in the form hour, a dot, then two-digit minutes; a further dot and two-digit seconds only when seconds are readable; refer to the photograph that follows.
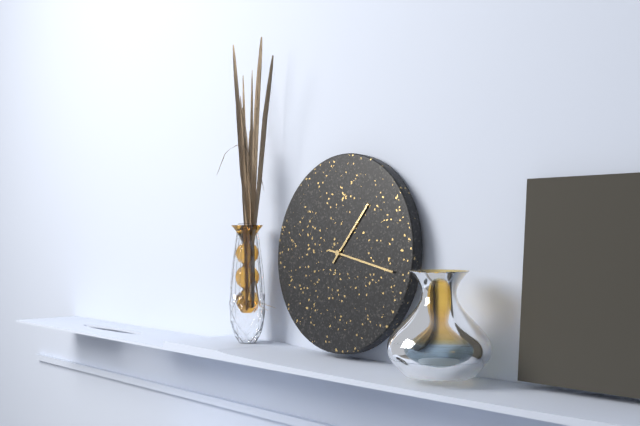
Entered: 1.17
